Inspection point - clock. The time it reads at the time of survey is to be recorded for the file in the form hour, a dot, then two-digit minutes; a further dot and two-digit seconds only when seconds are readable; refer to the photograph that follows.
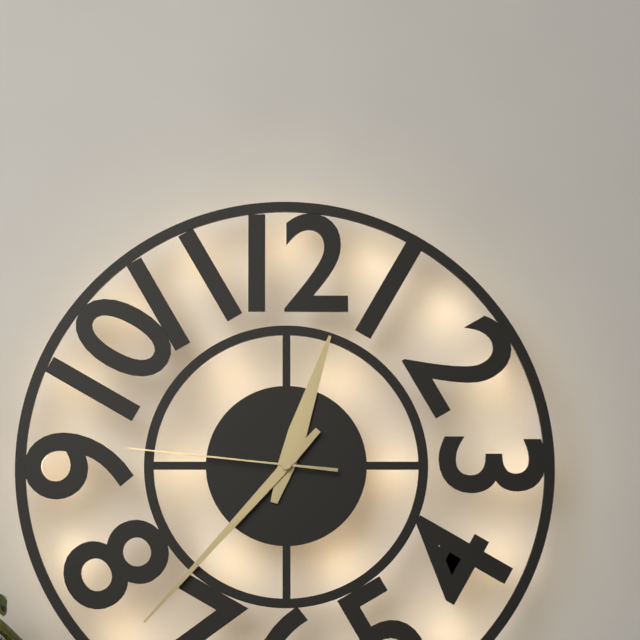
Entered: 12.37.46
